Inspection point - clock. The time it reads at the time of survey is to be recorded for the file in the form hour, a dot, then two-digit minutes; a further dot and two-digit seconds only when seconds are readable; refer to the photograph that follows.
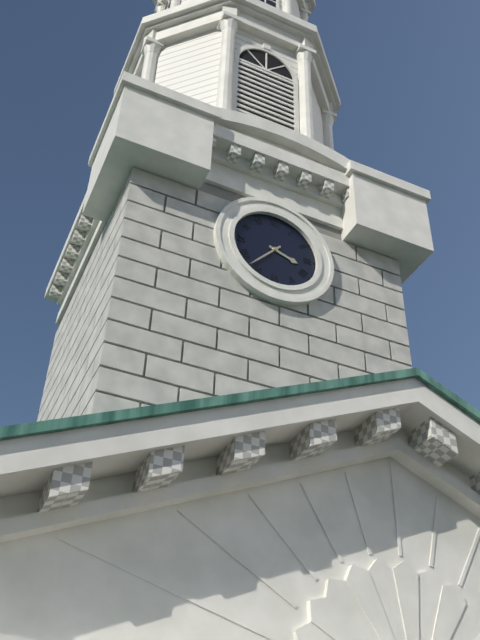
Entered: 3.37
